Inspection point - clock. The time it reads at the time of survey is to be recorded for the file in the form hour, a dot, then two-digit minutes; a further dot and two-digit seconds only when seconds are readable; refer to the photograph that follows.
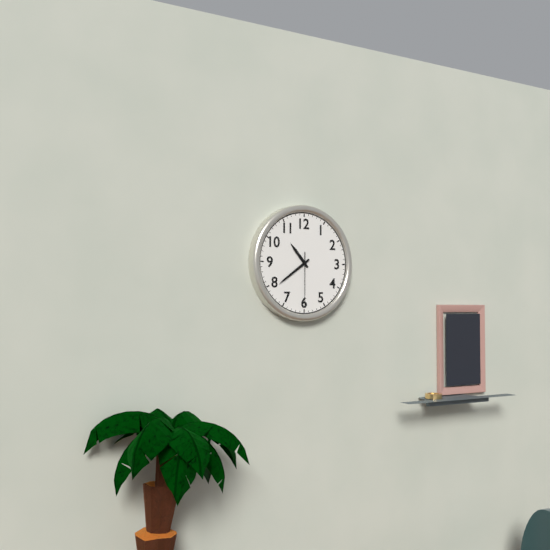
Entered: 10.39.30
